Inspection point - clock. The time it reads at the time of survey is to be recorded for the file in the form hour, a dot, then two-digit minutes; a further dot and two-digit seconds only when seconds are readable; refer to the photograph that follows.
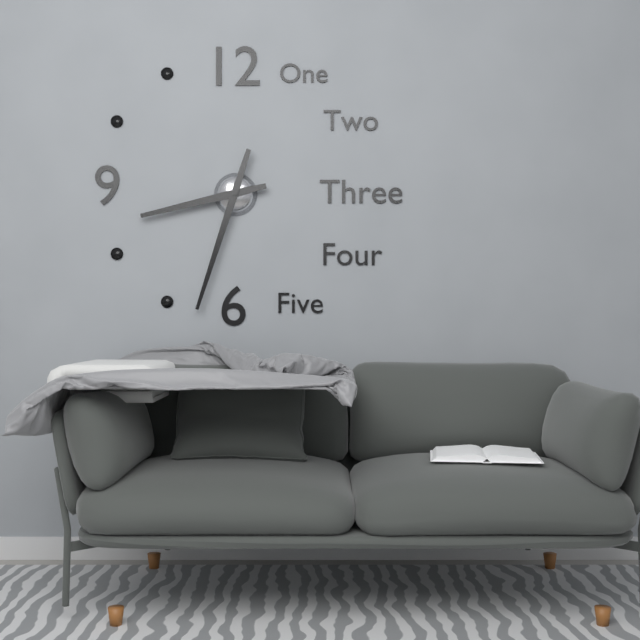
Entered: 8.33
